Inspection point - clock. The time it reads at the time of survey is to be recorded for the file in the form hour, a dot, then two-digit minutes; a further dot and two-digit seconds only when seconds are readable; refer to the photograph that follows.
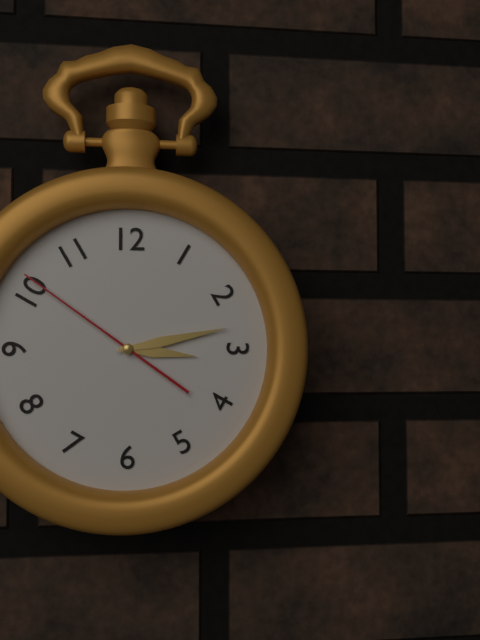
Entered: 3.13.51
